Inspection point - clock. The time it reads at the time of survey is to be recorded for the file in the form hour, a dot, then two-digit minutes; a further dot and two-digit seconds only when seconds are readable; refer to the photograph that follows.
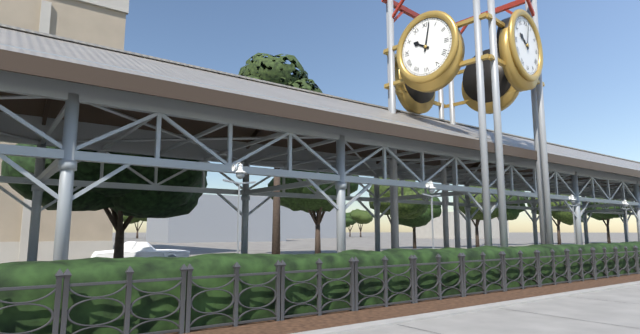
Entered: 10.02
